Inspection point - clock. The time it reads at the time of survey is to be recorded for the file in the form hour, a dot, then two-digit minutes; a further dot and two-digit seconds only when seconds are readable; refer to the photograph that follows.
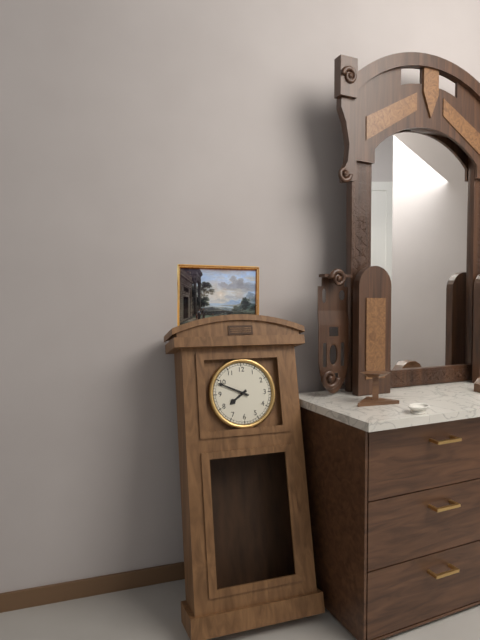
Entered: 7.49
